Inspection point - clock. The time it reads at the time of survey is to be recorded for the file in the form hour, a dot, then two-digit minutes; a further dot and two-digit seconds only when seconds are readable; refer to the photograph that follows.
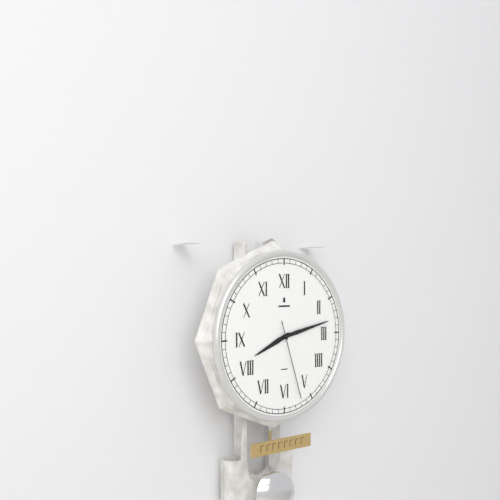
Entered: 8.13.27
